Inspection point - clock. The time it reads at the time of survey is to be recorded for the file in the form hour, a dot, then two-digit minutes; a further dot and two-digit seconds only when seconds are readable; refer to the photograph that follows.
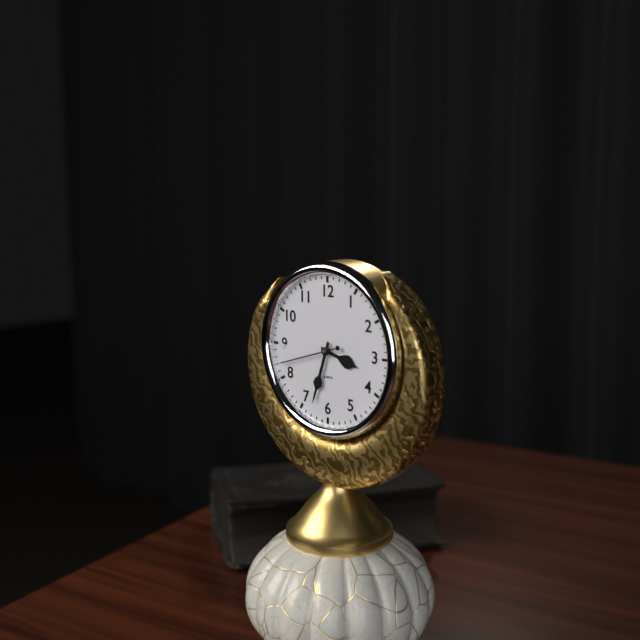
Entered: 3.33.42
